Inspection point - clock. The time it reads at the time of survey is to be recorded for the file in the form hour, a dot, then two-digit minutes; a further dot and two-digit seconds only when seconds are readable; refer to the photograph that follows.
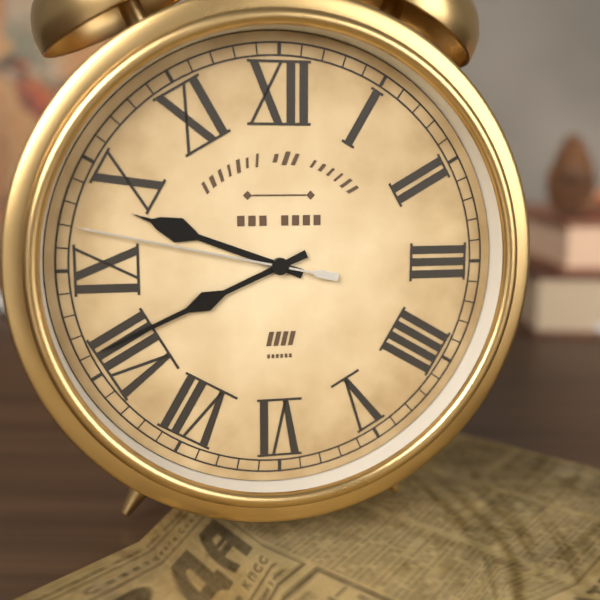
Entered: 9.41.47
